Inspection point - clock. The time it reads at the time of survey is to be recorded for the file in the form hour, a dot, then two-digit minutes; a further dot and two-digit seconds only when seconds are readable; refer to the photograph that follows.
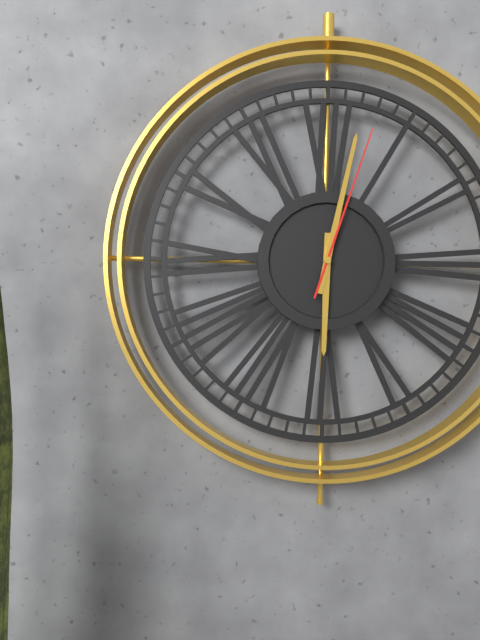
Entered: 6.02.03
